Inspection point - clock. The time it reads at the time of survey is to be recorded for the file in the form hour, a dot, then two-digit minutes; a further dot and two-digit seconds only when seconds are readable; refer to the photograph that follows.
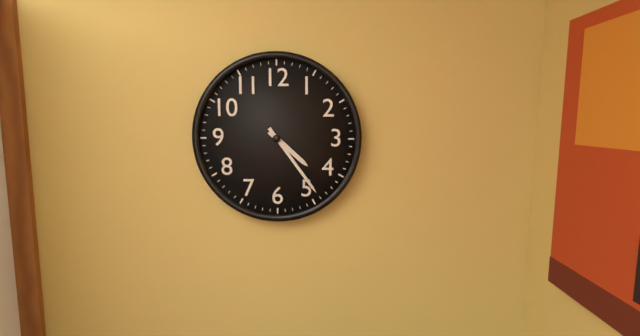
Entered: 4.24
